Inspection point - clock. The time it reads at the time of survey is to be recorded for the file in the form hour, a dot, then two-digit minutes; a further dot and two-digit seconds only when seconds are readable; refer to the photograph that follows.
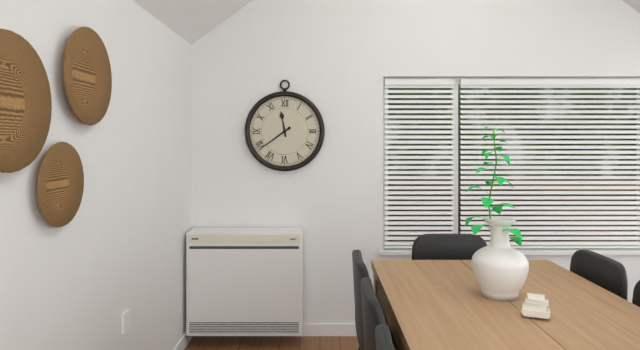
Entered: 11.39
